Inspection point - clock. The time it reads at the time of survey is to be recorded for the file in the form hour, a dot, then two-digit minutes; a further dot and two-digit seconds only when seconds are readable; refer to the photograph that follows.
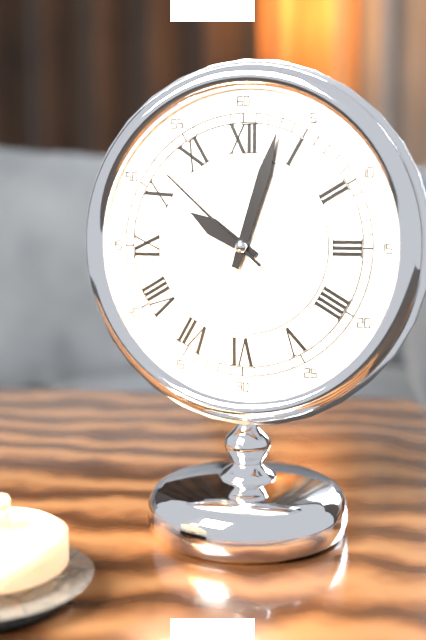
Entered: 10.03.52
